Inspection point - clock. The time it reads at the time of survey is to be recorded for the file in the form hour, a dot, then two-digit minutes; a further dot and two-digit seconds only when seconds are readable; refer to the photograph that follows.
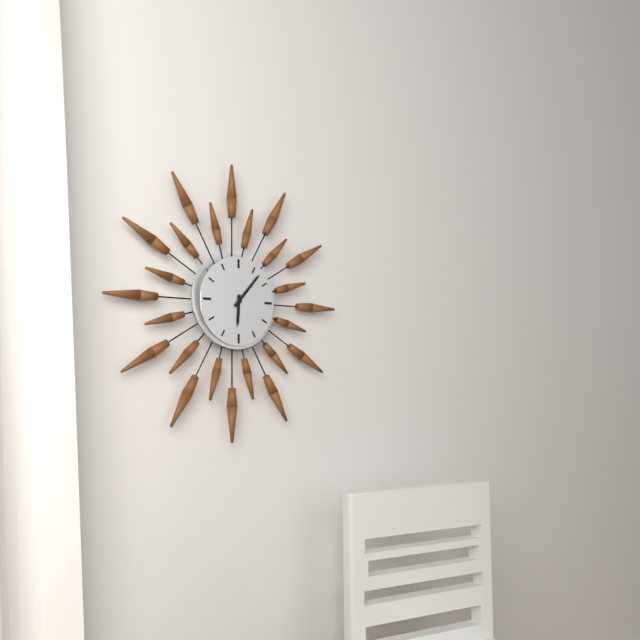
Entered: 6.07
